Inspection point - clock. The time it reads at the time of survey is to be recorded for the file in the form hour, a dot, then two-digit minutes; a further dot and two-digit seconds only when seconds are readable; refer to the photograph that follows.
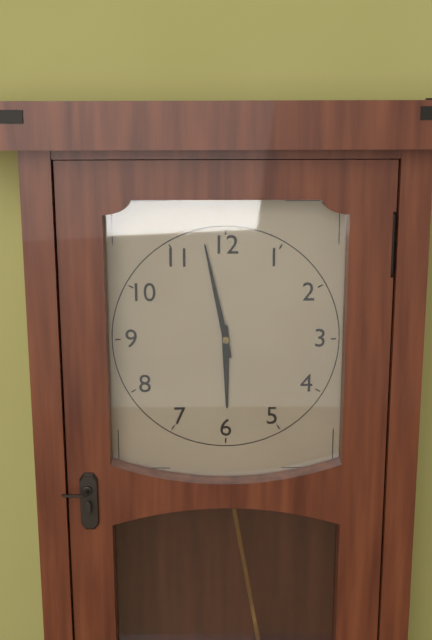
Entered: 5.58
